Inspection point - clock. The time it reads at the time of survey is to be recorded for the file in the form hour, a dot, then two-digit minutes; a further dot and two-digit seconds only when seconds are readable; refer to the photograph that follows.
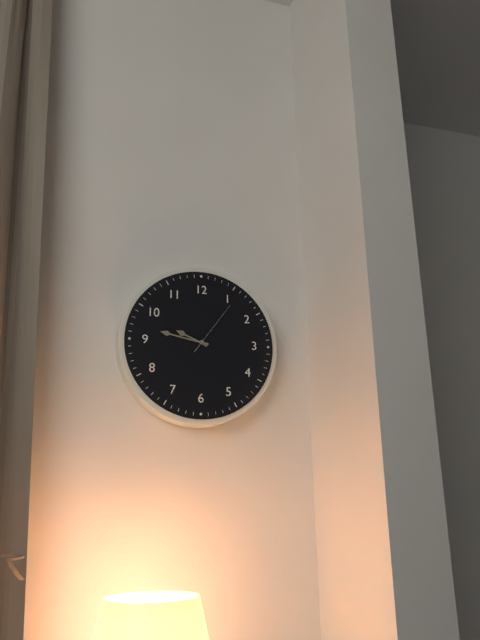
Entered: 9.47.06
